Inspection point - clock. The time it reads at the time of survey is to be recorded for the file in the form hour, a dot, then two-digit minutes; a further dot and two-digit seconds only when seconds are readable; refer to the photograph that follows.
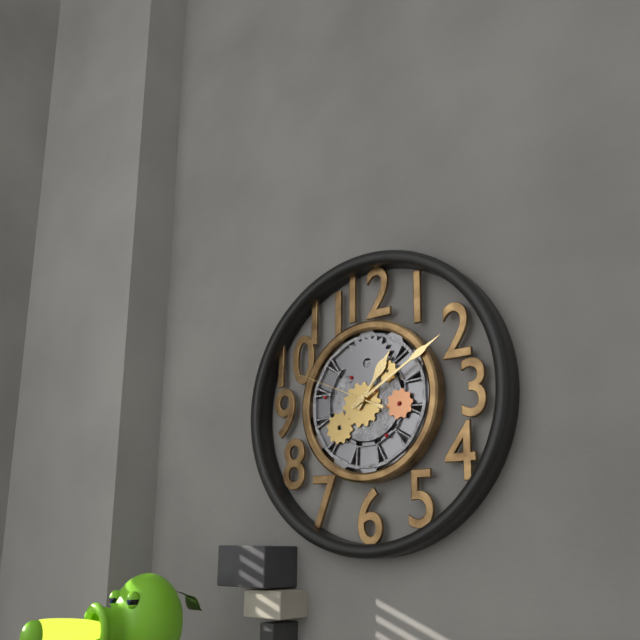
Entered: 1.10.49
